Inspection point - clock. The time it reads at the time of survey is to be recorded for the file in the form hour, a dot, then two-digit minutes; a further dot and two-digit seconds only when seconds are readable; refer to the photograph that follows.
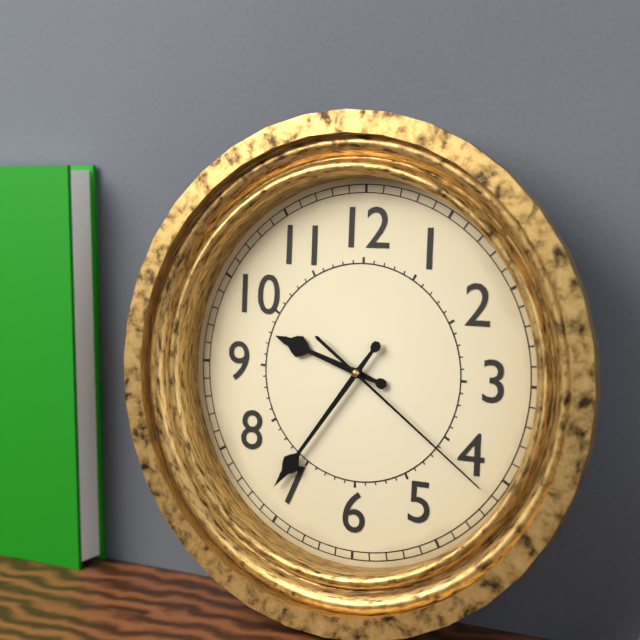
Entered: 9.36.21
